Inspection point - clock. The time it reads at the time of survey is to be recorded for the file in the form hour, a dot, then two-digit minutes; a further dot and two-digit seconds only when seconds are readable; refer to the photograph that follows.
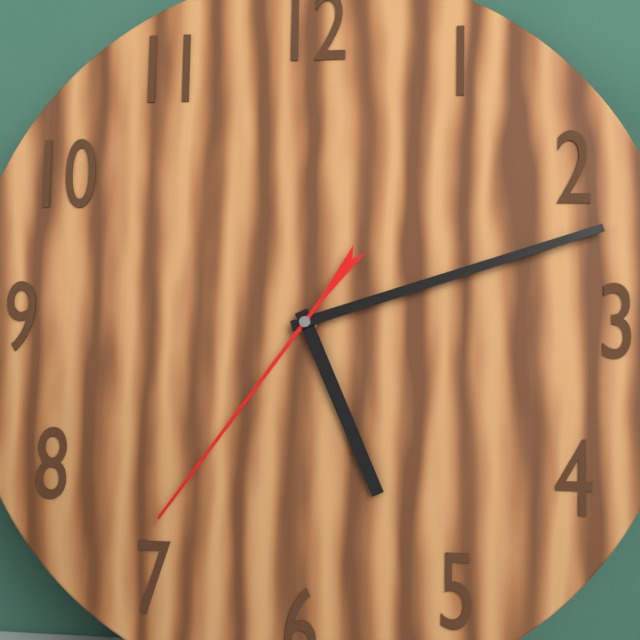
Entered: 5.12.36
